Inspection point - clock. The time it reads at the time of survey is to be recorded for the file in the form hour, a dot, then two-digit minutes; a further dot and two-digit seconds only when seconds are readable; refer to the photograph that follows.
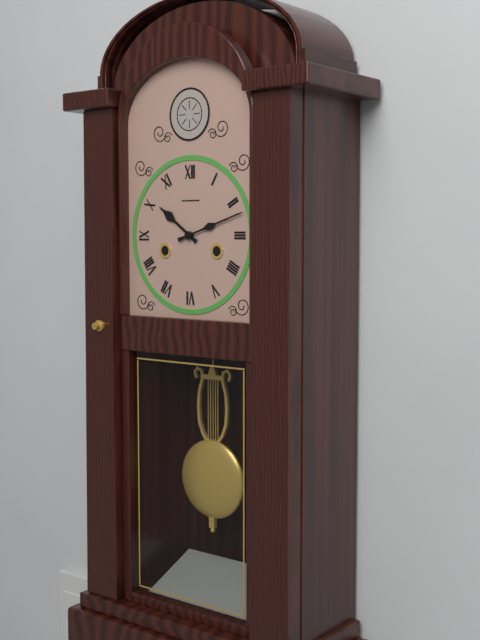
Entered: 10.12
